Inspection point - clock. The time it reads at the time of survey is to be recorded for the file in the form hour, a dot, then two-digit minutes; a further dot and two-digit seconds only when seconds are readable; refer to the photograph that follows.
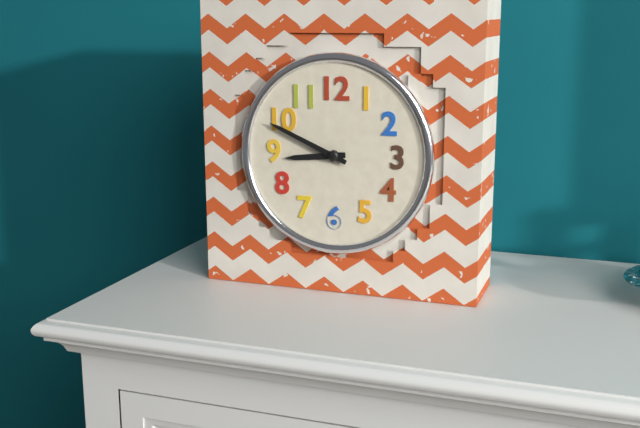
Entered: 8.49
